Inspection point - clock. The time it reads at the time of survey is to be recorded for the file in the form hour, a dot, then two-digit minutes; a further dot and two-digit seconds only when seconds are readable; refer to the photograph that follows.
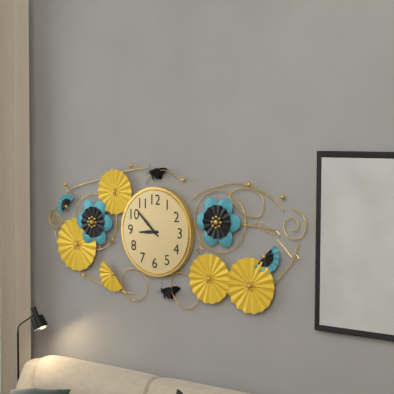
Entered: 8.52
